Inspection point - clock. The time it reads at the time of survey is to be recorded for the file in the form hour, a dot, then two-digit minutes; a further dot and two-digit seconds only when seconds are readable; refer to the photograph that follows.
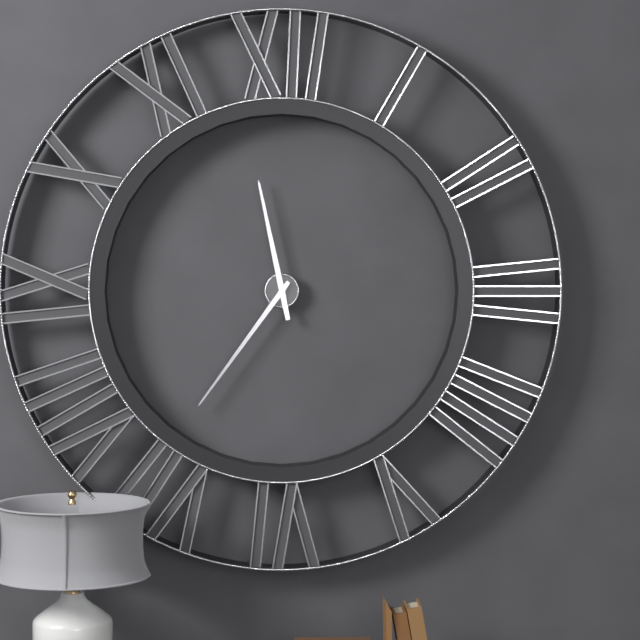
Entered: 11.36
